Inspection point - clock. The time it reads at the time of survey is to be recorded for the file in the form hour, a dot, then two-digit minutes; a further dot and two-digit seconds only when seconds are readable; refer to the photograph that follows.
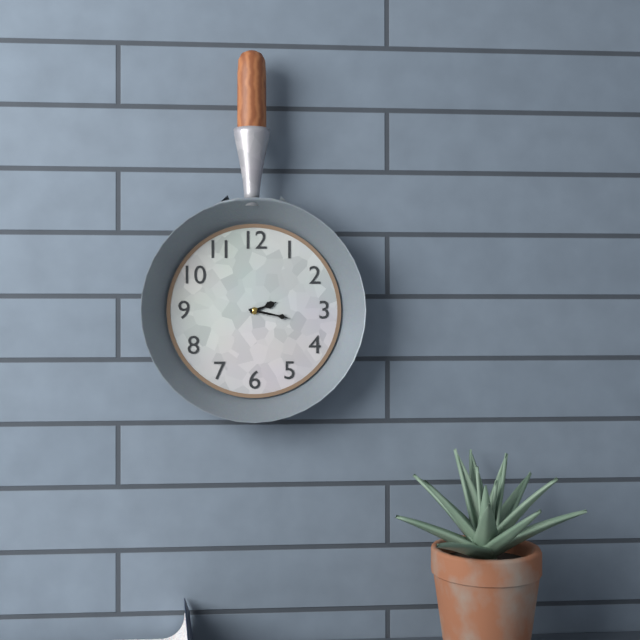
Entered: 2.17
